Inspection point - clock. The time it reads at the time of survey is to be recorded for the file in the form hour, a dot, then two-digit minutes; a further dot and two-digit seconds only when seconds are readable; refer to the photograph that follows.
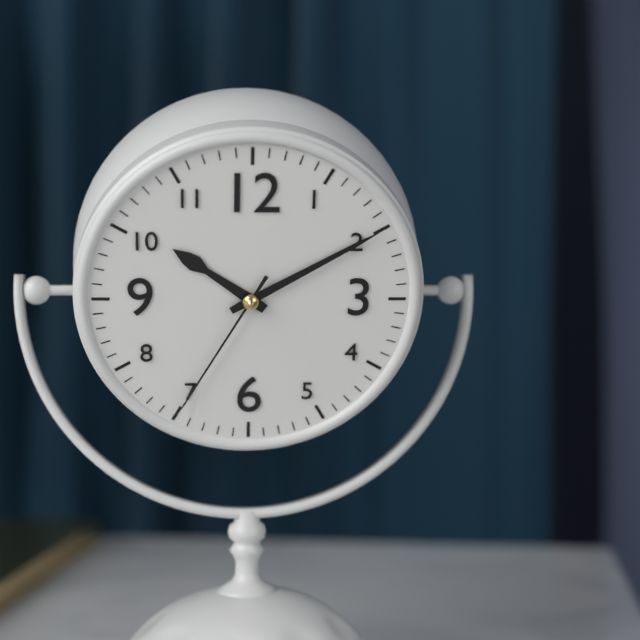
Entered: 10.10.35
